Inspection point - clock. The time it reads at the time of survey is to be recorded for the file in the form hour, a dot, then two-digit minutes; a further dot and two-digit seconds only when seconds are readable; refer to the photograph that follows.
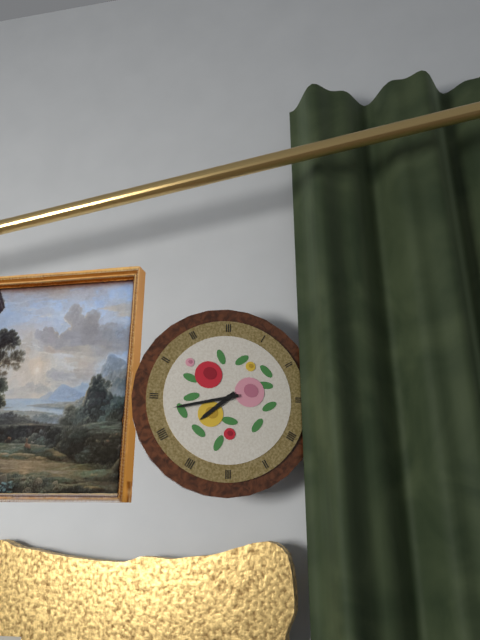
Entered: 7.43
